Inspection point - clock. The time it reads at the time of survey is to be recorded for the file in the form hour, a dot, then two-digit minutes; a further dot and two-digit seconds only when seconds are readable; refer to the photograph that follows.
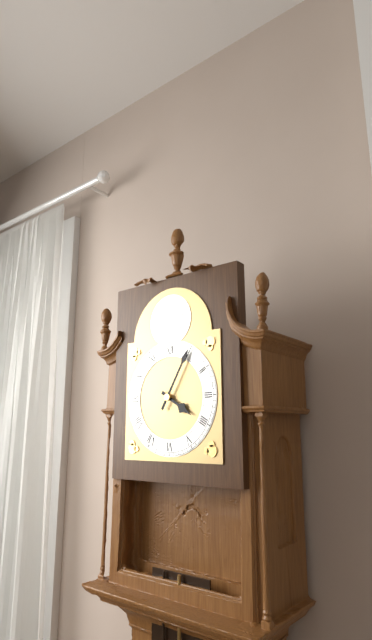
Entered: 4.05
